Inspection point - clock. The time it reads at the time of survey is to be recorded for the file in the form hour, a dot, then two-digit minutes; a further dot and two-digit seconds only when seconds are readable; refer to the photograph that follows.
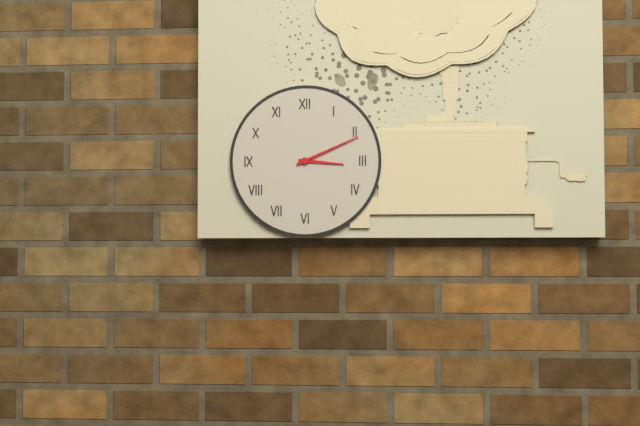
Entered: 3.11
